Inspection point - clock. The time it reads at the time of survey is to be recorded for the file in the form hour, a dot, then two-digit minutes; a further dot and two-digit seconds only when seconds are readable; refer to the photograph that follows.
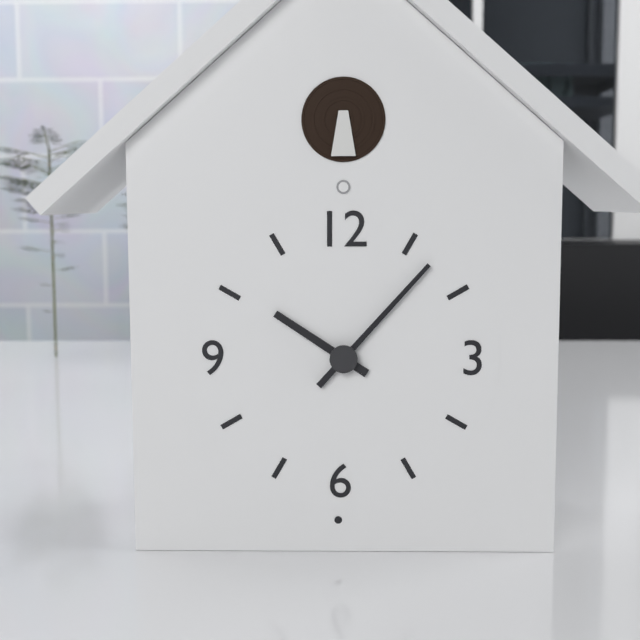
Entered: 10.07
